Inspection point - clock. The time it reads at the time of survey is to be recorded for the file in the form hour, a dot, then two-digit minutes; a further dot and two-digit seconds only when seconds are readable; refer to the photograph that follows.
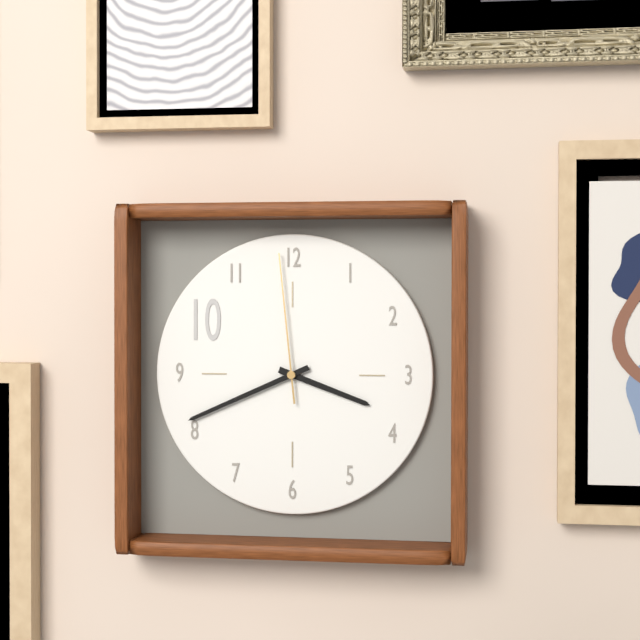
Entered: 3.41.59
